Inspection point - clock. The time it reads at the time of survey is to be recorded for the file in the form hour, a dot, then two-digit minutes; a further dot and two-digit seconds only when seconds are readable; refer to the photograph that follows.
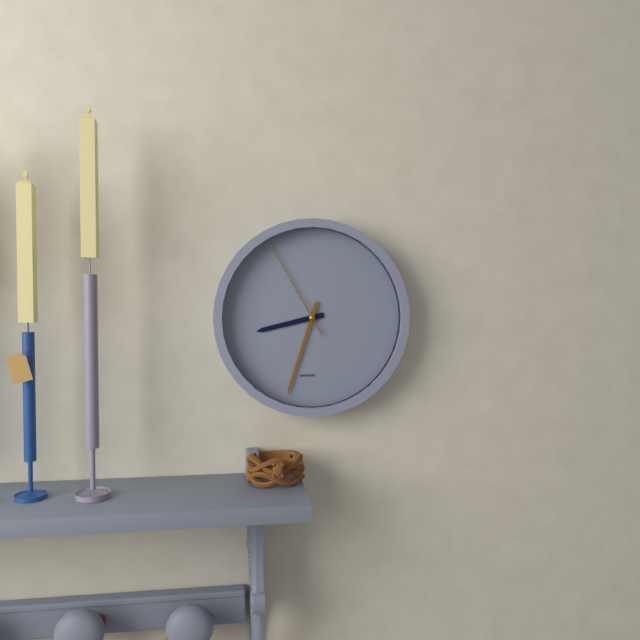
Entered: 8.33.55
